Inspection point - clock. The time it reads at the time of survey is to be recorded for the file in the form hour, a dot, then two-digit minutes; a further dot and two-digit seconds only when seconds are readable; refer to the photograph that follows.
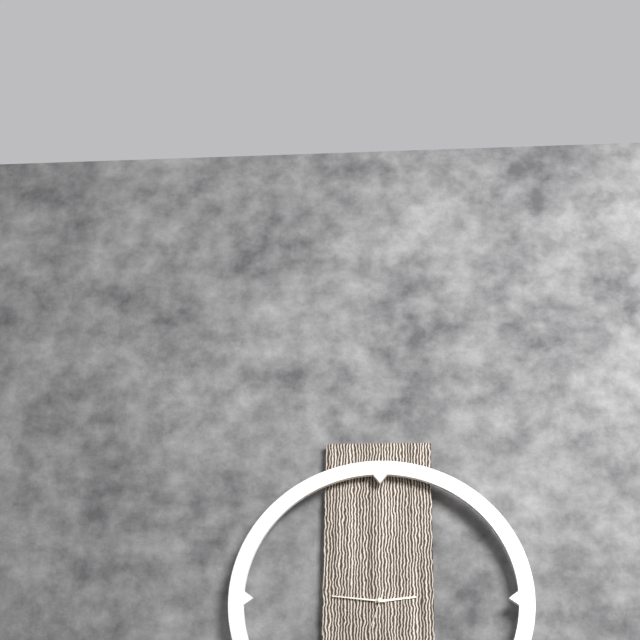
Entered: 2.46
